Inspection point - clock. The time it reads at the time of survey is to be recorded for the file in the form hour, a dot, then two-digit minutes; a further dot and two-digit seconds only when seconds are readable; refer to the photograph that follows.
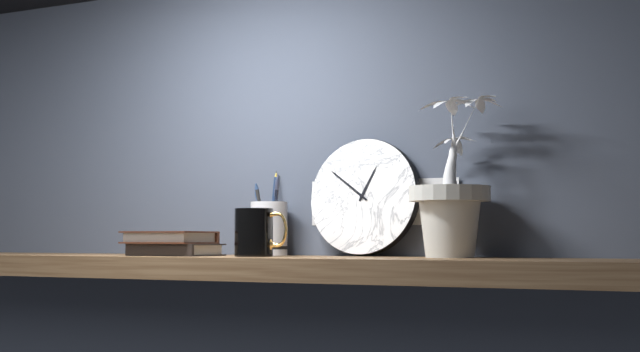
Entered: 12.51
